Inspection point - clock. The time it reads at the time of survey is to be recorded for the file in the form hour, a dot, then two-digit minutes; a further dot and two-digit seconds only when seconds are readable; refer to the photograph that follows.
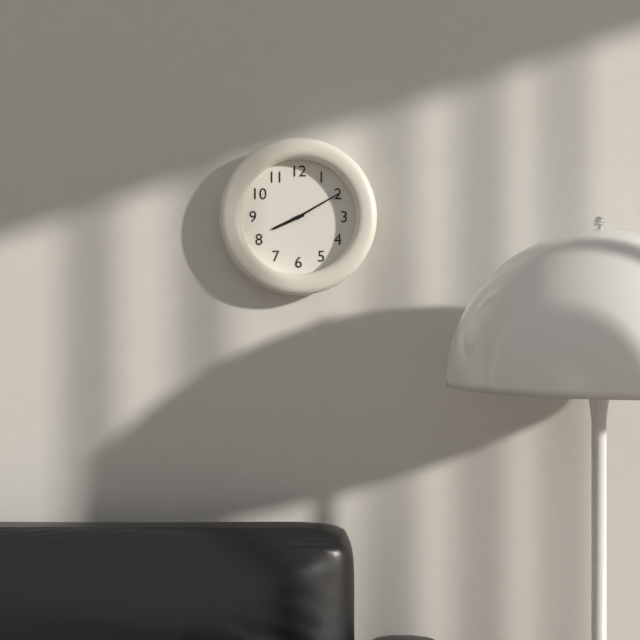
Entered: 8.10
